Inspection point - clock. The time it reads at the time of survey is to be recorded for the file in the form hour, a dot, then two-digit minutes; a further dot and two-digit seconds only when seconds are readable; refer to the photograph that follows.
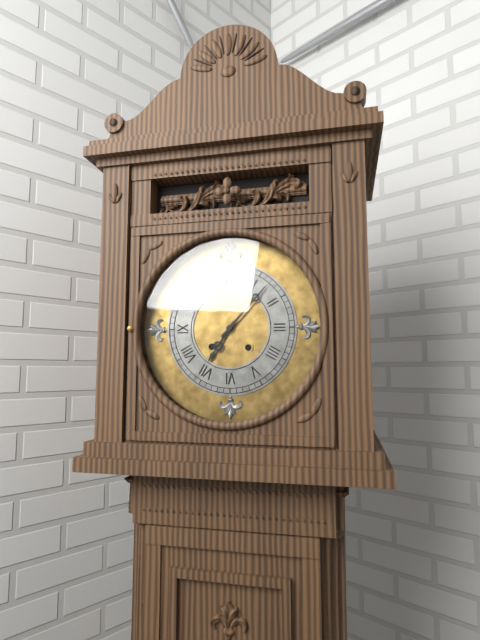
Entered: 7.07
